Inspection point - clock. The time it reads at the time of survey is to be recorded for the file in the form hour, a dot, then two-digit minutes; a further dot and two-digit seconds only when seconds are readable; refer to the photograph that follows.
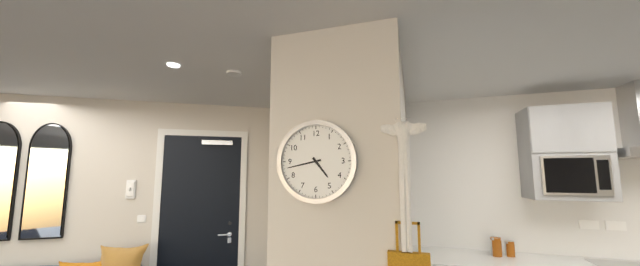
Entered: 4.43
